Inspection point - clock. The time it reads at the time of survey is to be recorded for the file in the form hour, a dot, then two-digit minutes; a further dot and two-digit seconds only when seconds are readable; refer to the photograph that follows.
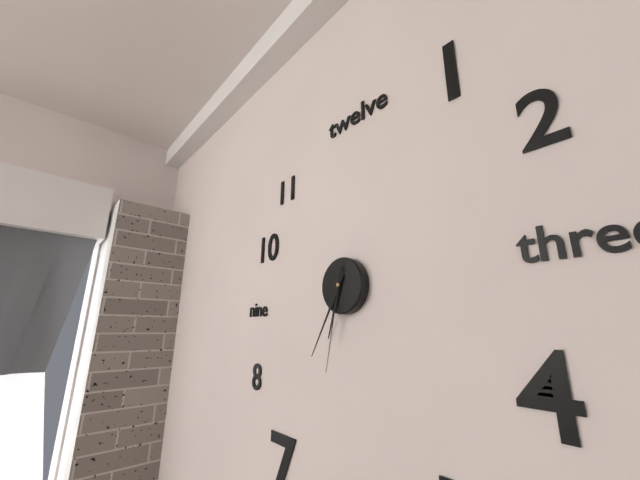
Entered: 6.35.32
